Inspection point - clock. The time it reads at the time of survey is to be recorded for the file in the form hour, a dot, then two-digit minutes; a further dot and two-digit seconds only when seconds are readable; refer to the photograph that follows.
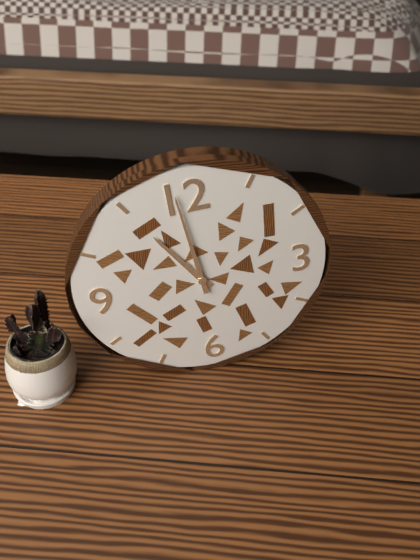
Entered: 10.59
